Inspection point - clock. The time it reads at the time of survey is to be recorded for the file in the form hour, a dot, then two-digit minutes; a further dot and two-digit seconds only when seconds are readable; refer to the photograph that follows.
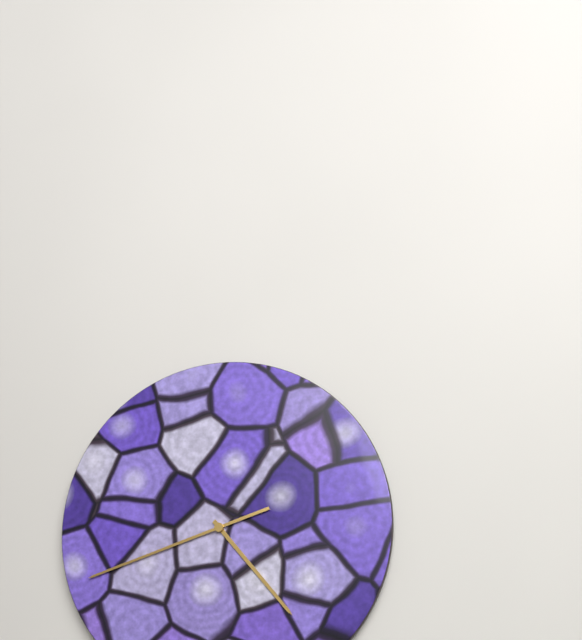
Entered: 4.42
